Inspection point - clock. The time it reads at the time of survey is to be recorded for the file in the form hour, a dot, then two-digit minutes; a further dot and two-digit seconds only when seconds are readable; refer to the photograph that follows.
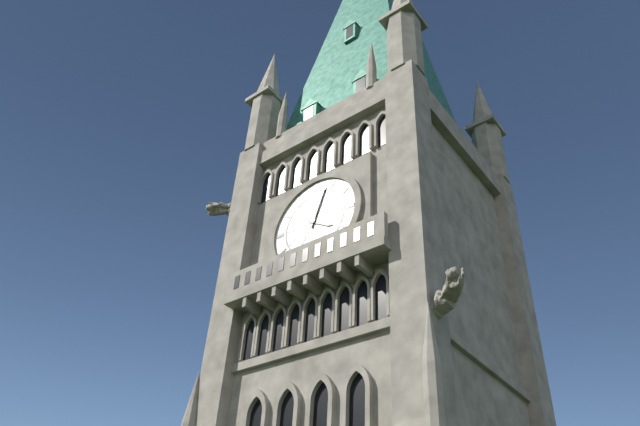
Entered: 4.03
